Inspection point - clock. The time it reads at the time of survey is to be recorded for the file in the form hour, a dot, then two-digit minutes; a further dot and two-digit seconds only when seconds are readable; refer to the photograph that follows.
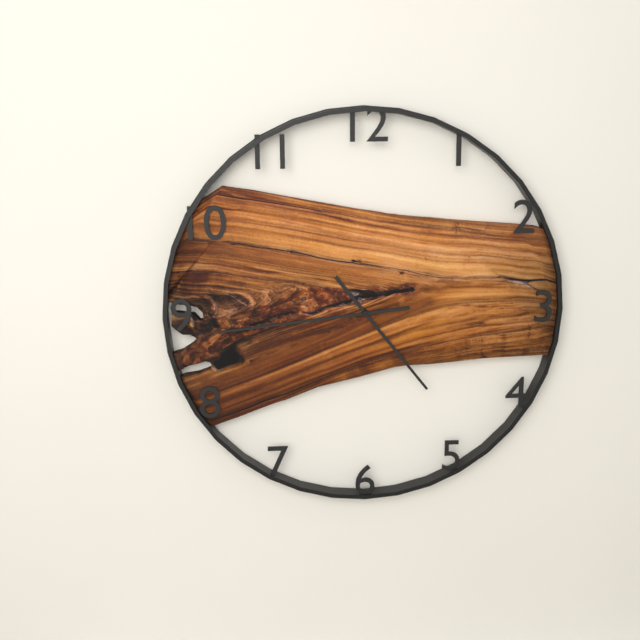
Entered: 4.44
